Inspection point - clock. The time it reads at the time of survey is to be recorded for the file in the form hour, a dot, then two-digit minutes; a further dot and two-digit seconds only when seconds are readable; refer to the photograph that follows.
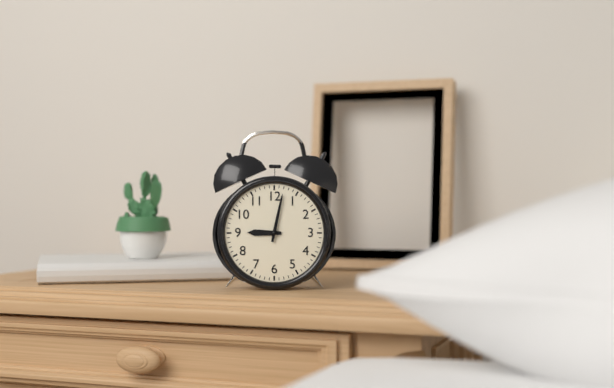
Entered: 9.02
